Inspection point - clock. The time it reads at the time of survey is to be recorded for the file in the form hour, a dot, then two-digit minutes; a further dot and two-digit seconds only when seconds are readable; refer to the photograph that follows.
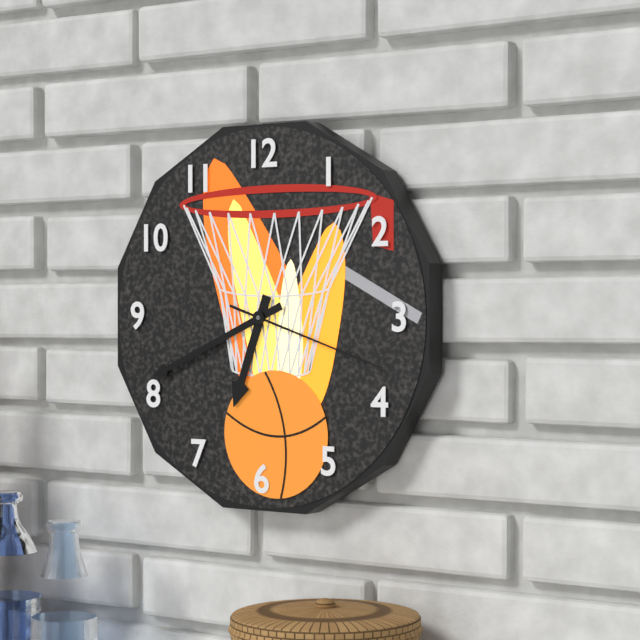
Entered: 6.41.18
